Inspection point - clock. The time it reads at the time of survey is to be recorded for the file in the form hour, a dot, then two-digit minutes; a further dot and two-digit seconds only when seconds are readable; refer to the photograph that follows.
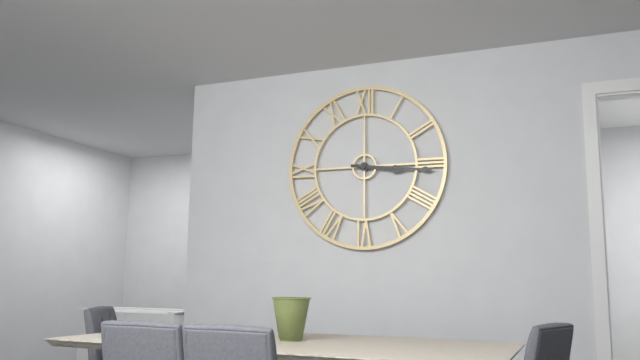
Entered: 3.16
